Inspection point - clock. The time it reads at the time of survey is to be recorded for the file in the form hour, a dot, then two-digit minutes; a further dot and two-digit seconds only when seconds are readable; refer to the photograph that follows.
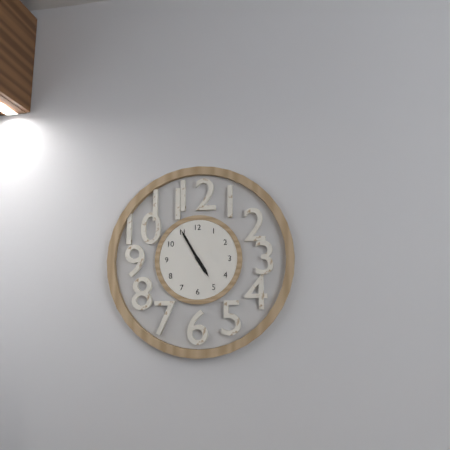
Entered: 4.55
